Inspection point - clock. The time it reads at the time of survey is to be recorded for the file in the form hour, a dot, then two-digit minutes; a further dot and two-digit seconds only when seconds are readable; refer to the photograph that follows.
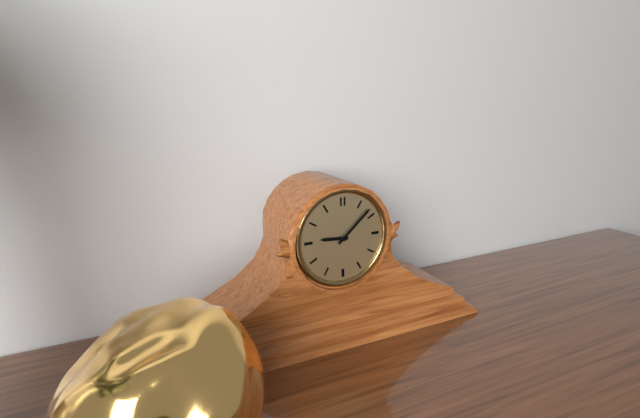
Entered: 9.08
